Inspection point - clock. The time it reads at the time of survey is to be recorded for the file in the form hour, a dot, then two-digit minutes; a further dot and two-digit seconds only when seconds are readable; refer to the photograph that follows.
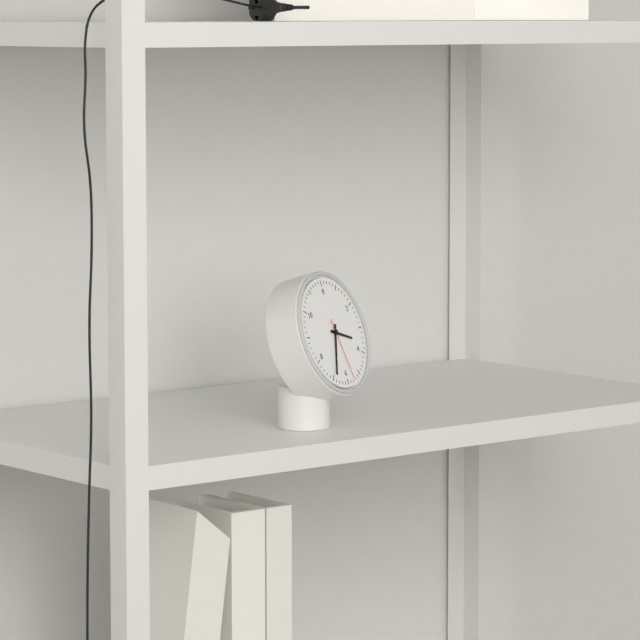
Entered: 3.34.28
